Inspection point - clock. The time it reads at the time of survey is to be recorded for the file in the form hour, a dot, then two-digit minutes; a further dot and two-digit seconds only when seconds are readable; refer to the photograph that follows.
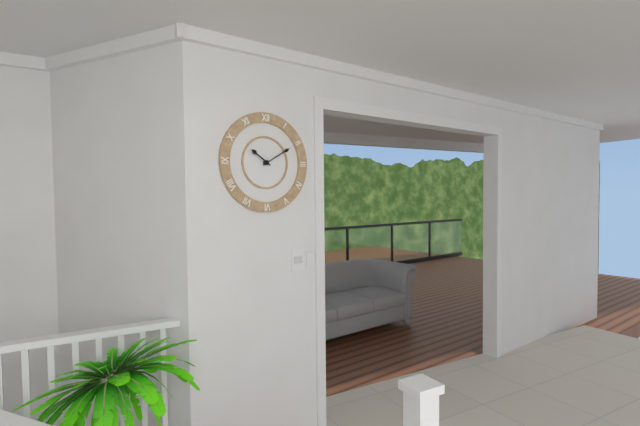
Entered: 10.10
